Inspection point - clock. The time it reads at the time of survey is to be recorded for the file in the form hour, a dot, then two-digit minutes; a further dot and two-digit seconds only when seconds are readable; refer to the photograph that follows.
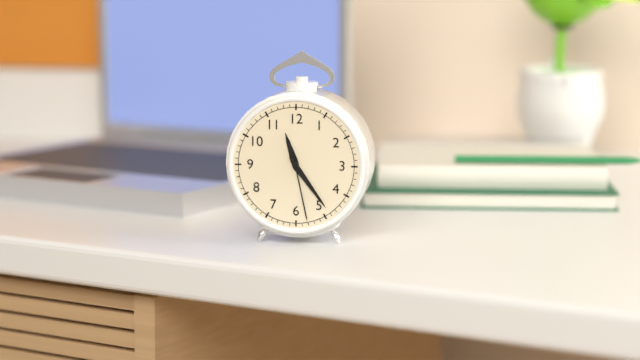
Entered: 11.24.28
